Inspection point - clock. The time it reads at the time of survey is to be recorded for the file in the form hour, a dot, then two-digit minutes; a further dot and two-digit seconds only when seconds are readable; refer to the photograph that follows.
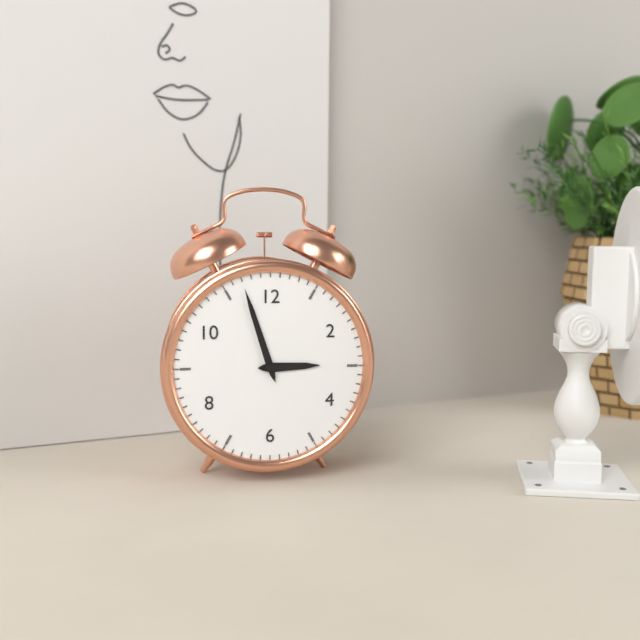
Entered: 2.57
